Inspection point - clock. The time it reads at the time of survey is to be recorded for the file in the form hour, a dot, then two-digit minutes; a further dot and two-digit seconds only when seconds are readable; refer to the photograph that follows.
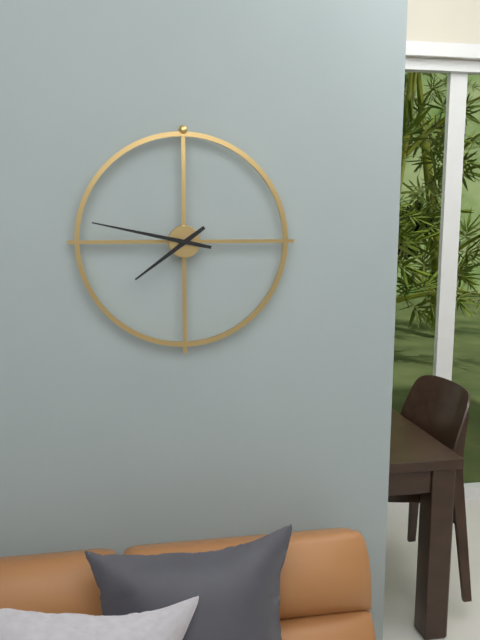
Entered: 7.47
